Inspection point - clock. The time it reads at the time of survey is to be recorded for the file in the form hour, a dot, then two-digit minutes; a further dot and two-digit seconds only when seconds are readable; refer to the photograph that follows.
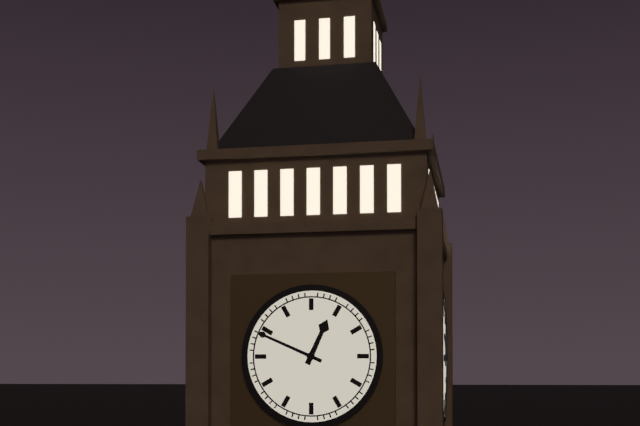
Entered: 12.49
